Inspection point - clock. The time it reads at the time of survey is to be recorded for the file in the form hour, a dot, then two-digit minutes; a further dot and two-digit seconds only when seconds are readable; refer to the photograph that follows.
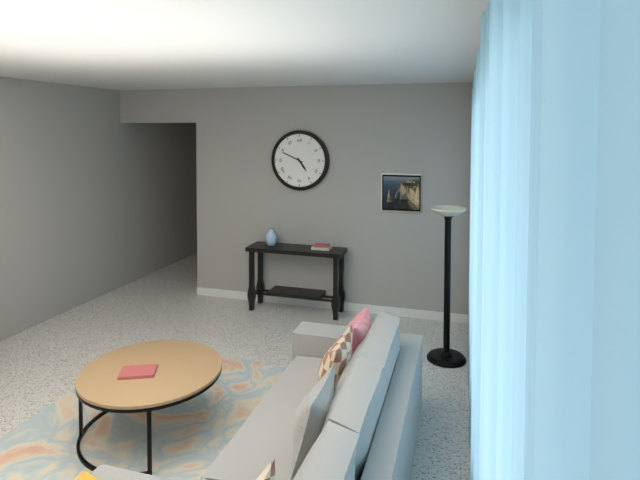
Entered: 4.49
